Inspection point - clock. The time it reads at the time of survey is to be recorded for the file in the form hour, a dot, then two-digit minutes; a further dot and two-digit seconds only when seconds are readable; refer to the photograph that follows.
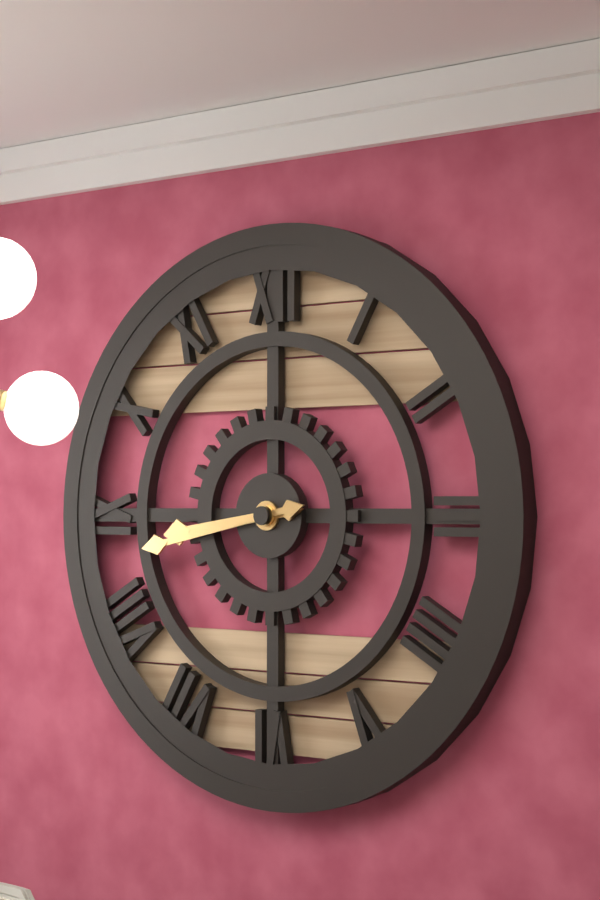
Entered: 8.43
